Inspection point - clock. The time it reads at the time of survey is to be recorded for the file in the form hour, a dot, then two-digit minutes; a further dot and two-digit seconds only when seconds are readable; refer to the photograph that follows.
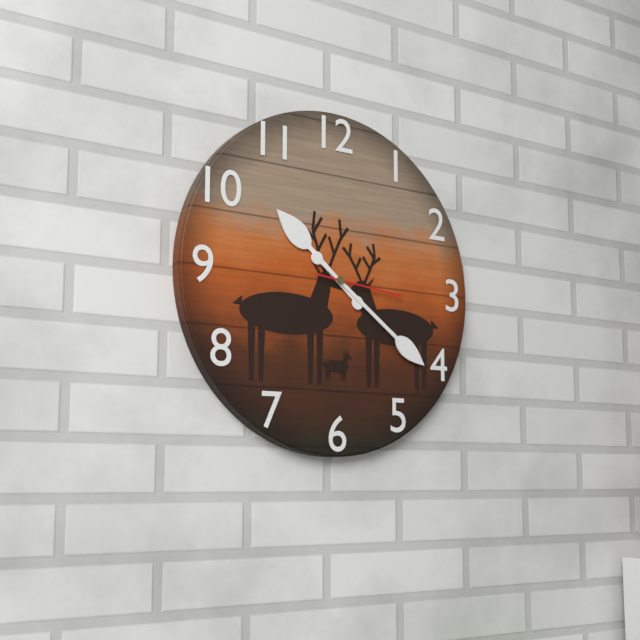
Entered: 10.21.16
